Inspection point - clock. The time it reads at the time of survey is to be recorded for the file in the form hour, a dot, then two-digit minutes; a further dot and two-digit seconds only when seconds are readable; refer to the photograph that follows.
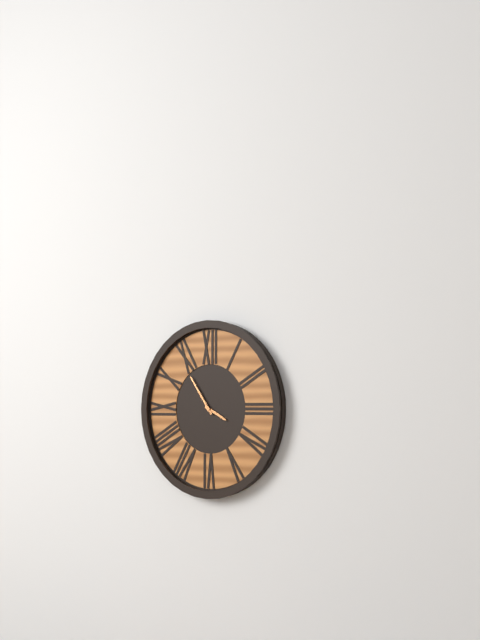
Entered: 3.54
